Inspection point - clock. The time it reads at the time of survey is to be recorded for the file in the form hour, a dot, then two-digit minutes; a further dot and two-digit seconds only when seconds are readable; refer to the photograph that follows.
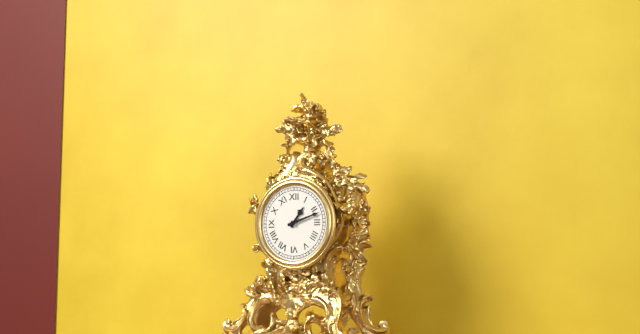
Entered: 1.12
